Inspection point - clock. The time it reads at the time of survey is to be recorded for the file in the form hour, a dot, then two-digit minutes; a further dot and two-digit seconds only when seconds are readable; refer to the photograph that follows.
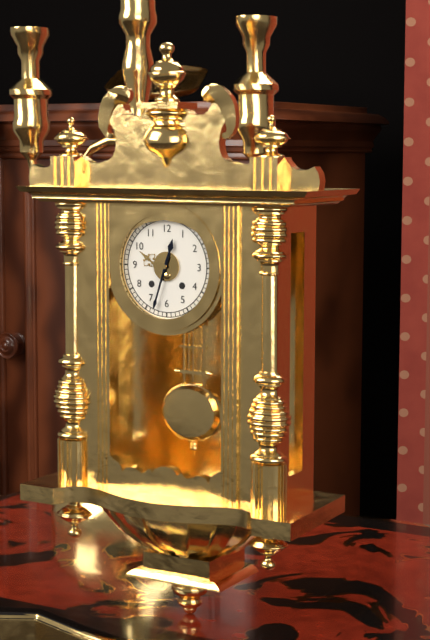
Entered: 12.33
